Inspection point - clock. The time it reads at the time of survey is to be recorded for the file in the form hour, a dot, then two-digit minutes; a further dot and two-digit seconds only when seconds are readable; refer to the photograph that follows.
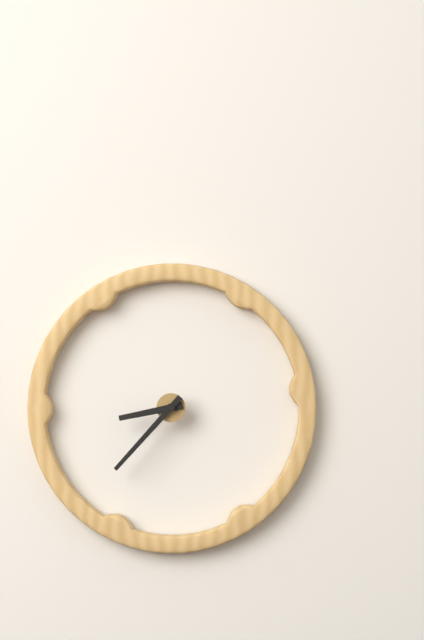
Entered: 8.37
